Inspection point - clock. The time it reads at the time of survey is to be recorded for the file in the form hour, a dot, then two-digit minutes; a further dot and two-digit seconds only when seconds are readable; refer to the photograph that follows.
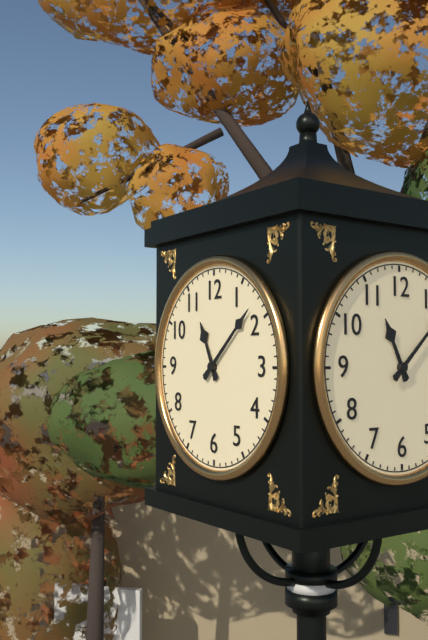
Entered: 11.08
